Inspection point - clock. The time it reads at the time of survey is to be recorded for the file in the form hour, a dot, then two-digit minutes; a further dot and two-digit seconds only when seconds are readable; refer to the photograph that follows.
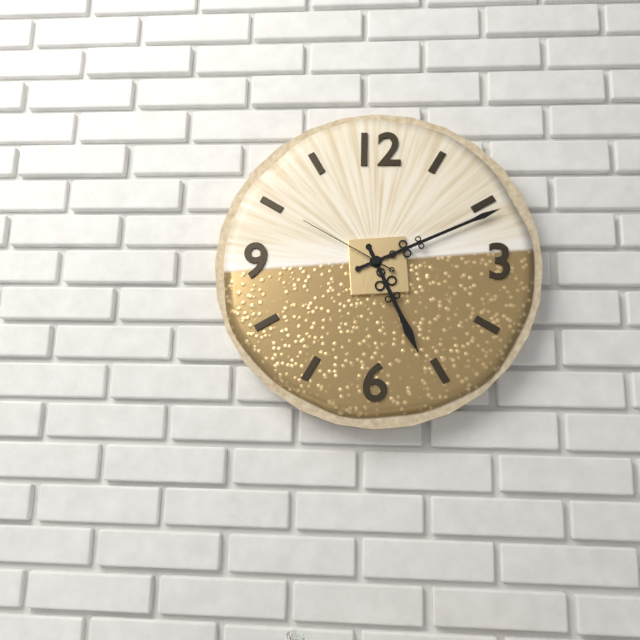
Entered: 5.11.50
